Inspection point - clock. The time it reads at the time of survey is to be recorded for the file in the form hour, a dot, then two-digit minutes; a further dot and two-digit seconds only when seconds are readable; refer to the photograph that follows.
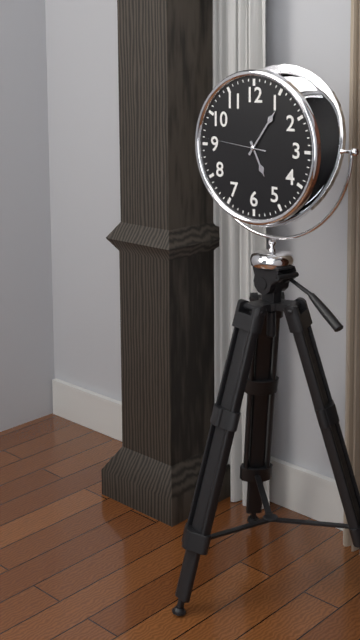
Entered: 5.06.46
